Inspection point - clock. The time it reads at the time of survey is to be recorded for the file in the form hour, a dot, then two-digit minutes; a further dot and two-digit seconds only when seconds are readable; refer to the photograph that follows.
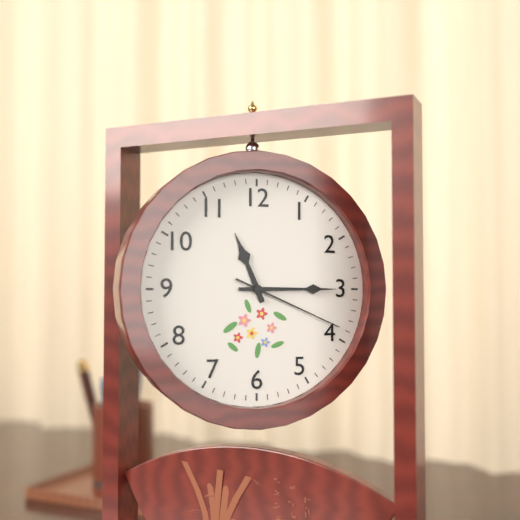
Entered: 11.15.19
